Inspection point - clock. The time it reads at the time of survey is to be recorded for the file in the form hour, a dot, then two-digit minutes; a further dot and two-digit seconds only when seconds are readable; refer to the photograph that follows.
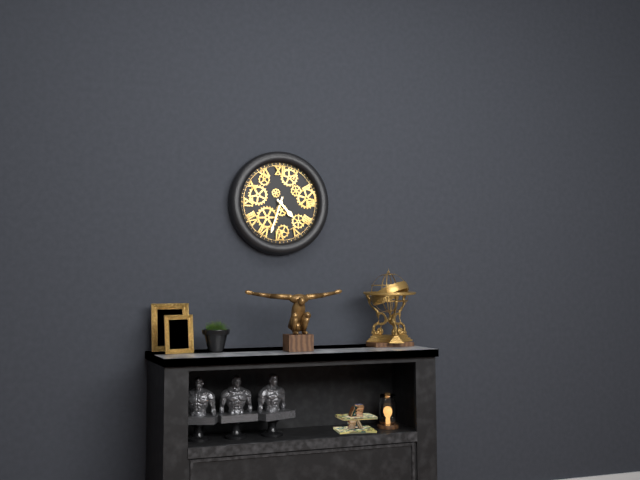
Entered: 4.33
